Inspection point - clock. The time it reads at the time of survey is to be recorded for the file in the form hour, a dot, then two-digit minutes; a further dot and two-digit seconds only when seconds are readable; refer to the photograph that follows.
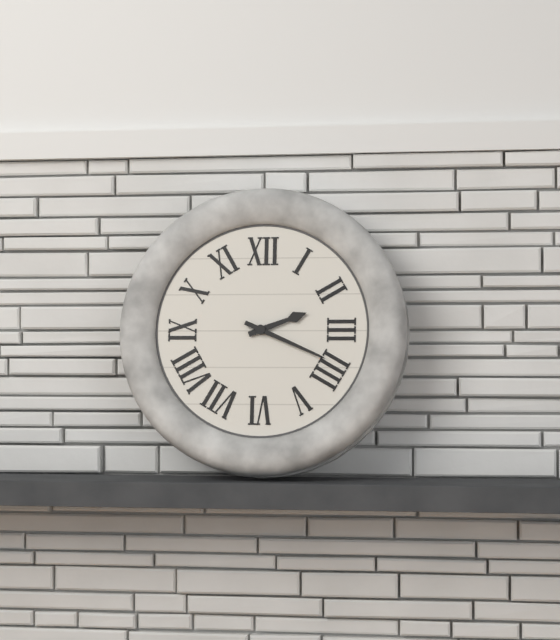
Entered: 2.19
